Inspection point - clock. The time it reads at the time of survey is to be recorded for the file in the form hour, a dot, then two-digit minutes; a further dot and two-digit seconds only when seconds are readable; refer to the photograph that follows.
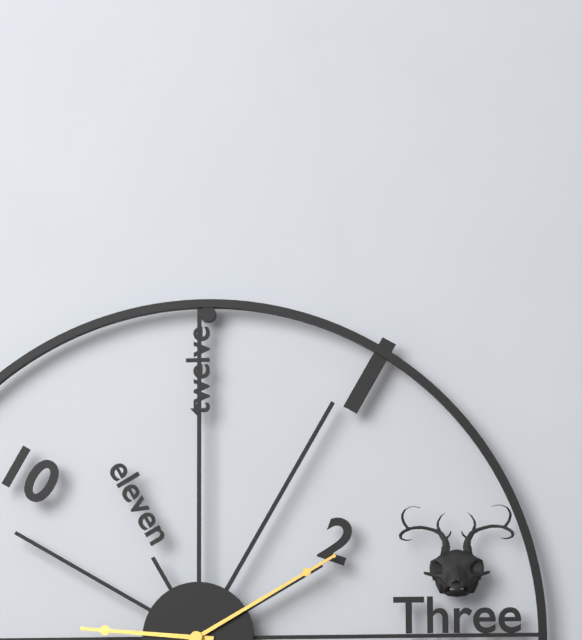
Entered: 9.10
